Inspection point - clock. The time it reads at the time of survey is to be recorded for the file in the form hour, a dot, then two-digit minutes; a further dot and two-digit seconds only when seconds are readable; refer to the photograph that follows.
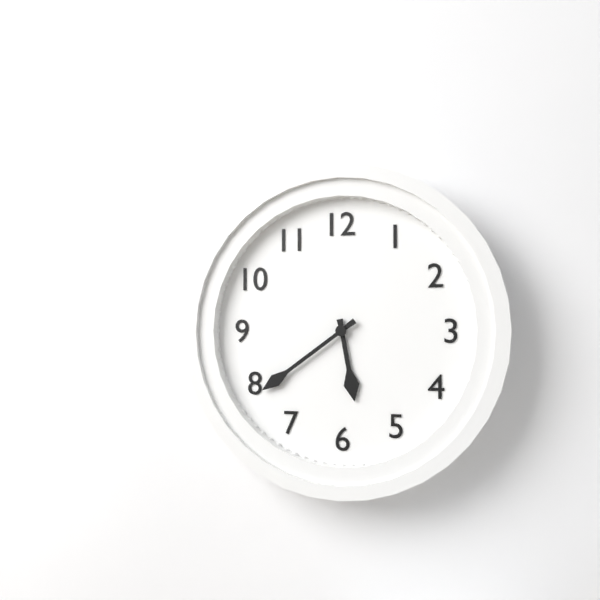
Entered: 5.39
